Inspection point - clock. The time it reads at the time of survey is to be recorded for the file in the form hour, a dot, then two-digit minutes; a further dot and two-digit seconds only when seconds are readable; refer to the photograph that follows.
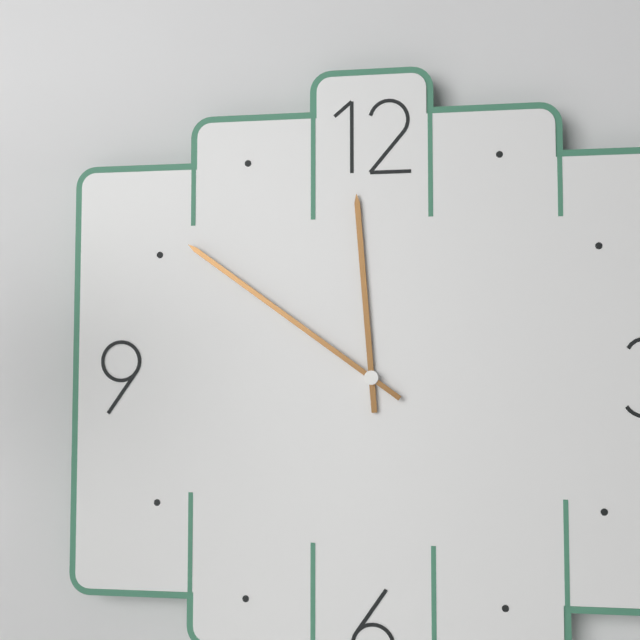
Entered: 11.51
